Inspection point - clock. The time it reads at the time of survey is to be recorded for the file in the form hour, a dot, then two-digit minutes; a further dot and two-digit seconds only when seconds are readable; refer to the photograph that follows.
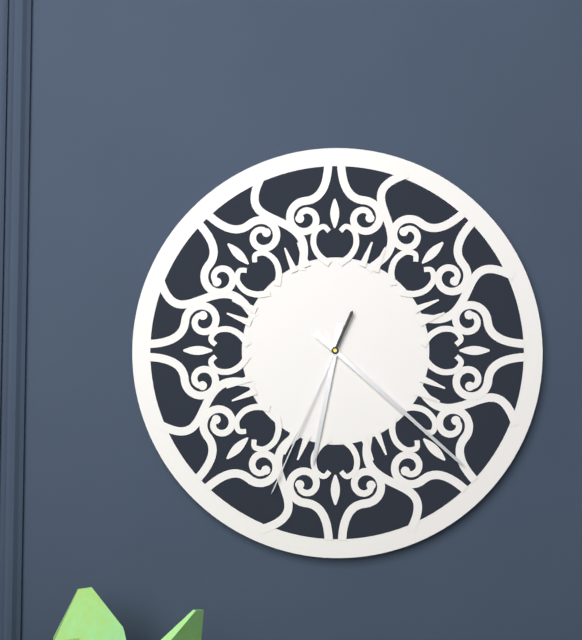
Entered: 6.22.34
